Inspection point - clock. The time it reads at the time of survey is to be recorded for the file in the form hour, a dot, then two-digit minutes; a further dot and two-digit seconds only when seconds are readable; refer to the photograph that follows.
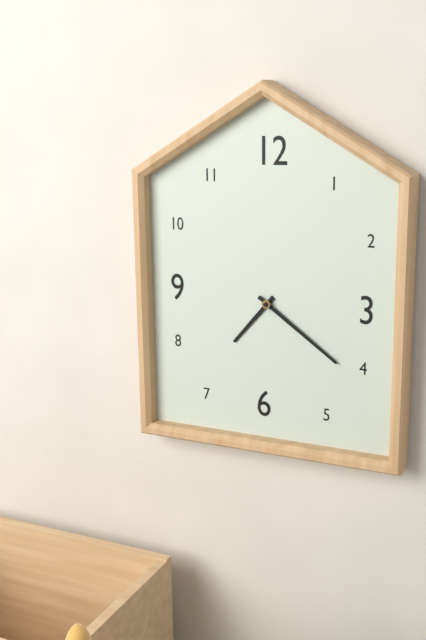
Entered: 7.21
